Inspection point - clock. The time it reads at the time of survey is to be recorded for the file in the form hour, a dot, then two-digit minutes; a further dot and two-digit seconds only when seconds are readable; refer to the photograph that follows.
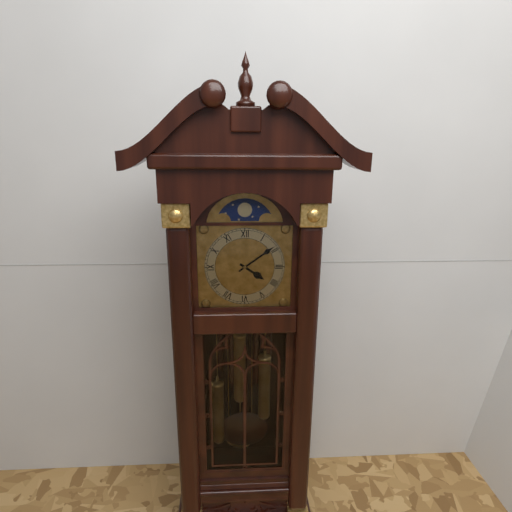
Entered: 4.09
